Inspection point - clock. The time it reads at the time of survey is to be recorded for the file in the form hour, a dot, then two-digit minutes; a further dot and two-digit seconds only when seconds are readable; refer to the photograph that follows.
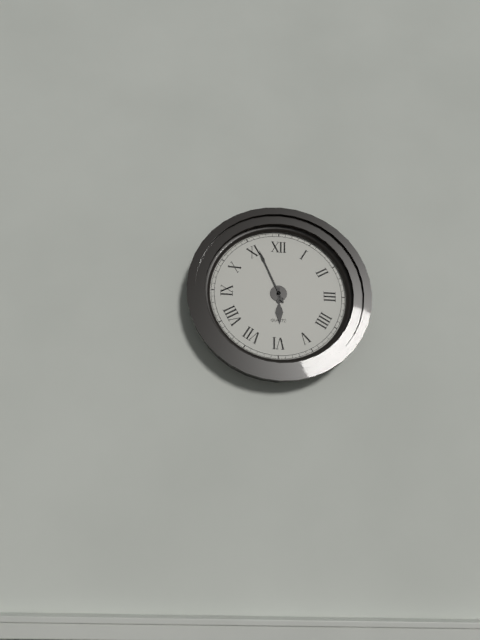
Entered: 5.56
